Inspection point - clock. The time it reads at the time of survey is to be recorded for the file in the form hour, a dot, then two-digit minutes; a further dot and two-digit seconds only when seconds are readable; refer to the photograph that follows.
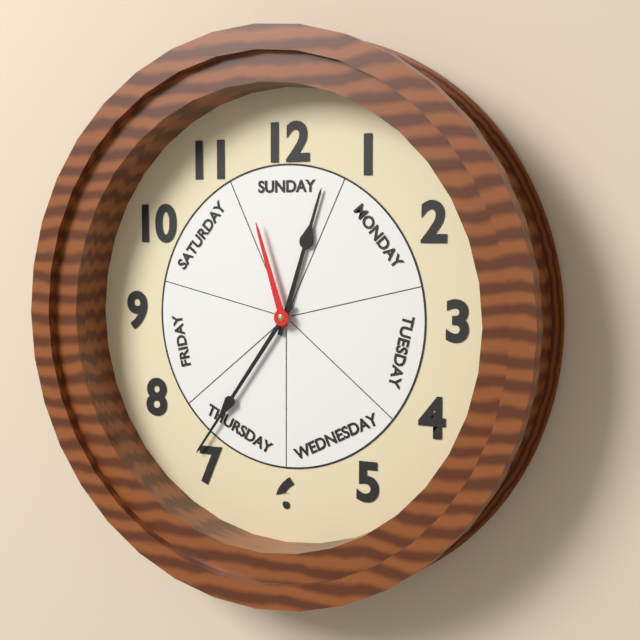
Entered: 12.36.57
